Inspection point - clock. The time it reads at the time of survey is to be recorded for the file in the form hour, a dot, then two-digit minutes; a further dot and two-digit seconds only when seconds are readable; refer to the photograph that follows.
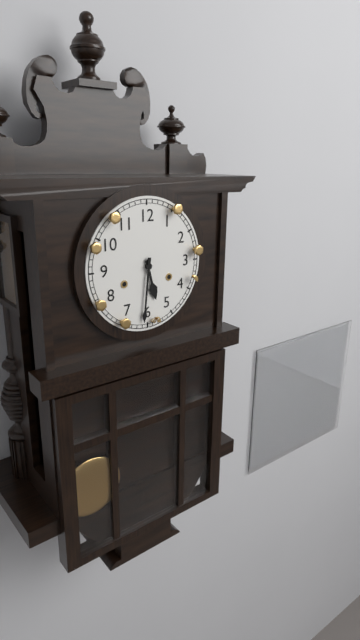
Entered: 5.31
